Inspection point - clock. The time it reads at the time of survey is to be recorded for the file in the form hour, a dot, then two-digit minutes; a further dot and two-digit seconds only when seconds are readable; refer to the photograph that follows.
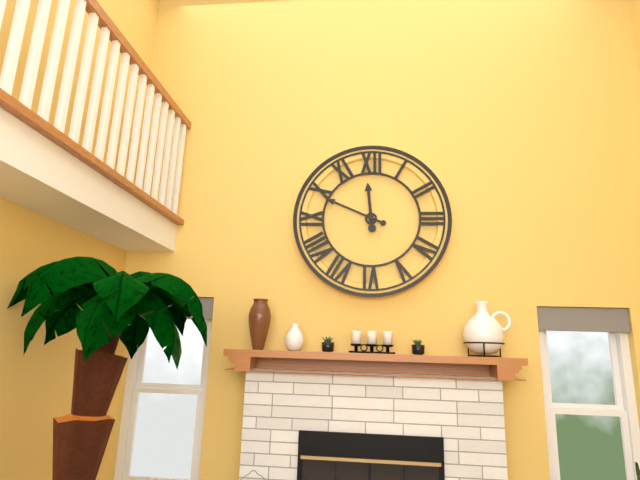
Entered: 11.49
